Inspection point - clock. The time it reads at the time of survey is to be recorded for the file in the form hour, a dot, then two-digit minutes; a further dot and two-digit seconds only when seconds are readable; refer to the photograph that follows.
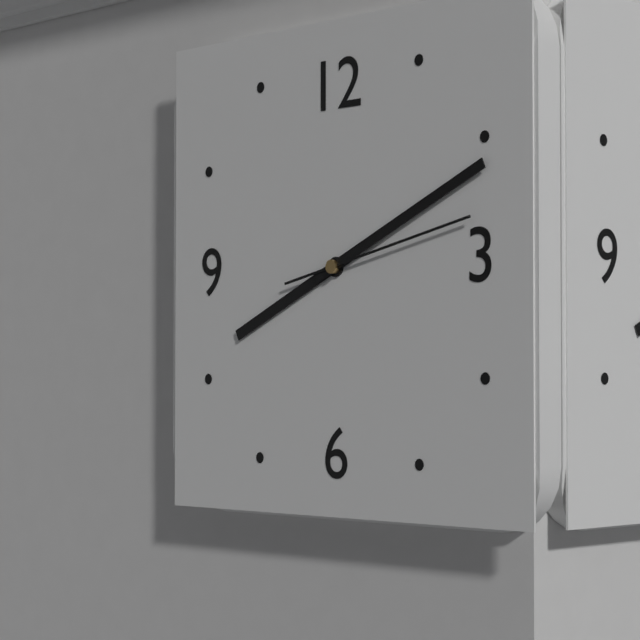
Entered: 8.11.13
